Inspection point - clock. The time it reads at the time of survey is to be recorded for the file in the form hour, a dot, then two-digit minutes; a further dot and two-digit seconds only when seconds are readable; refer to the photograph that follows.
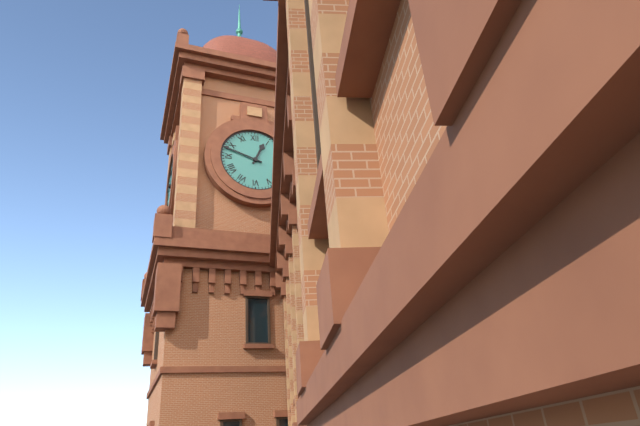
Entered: 12.48
